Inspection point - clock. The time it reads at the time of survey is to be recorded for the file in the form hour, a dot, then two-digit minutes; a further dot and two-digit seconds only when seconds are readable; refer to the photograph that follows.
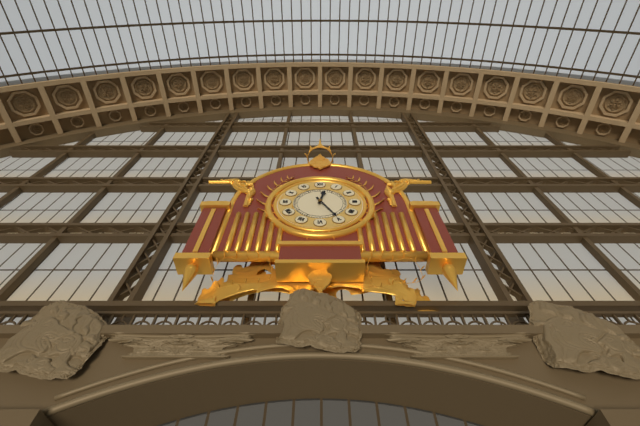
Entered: 12.25
